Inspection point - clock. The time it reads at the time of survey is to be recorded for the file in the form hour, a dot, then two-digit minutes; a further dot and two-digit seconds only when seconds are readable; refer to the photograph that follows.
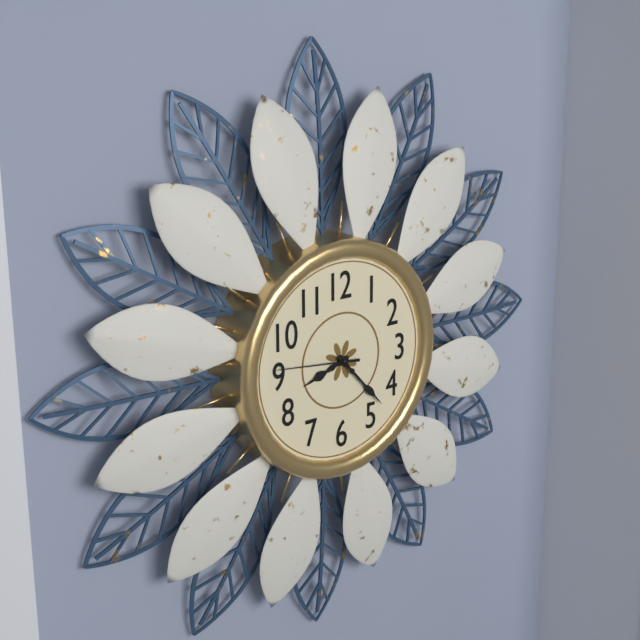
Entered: 8.23.46
